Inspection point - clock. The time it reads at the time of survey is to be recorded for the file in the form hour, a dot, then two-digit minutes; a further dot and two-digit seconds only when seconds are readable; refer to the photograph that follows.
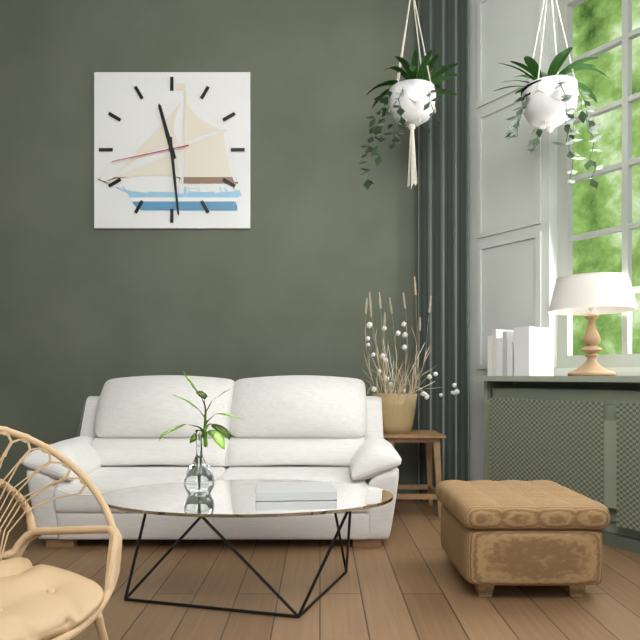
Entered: 11.29.43
